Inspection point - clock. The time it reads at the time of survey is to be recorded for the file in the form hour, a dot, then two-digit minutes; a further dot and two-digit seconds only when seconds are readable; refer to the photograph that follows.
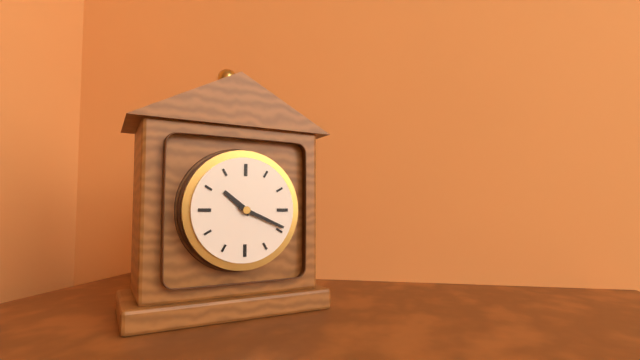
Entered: 10.19
